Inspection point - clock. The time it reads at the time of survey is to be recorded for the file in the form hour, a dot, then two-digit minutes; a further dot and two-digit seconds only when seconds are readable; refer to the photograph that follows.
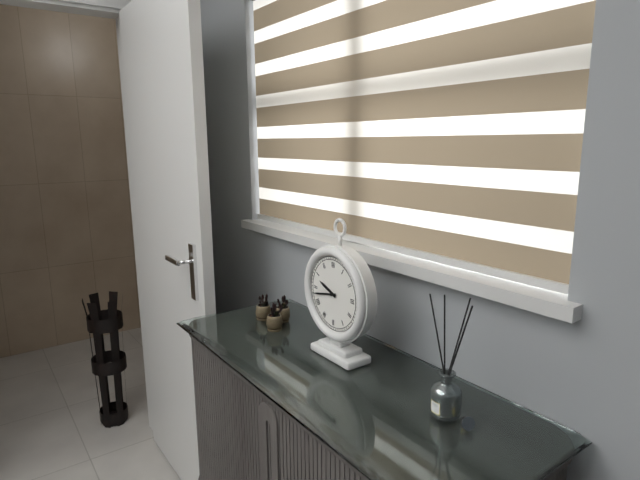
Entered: 9.43
